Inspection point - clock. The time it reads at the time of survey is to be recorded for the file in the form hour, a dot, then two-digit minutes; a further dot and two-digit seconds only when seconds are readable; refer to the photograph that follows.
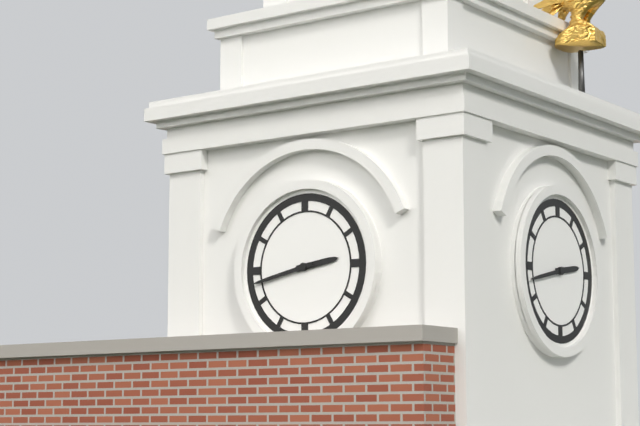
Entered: 2.43
